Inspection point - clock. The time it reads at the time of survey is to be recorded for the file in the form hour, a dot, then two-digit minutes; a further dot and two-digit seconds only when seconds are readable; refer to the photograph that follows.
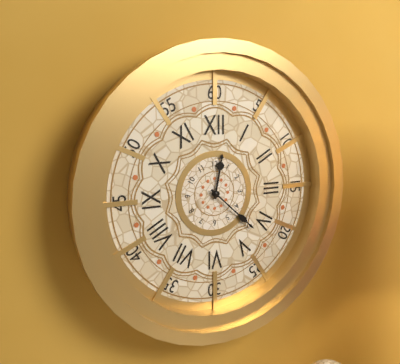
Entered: 12.22
